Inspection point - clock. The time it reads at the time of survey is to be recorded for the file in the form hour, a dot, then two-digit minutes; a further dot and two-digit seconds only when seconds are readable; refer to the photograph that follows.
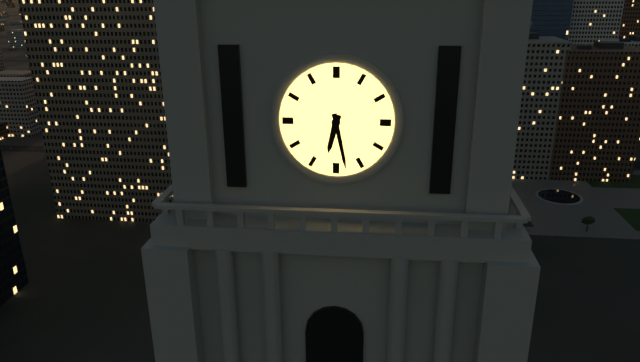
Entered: 6.28
